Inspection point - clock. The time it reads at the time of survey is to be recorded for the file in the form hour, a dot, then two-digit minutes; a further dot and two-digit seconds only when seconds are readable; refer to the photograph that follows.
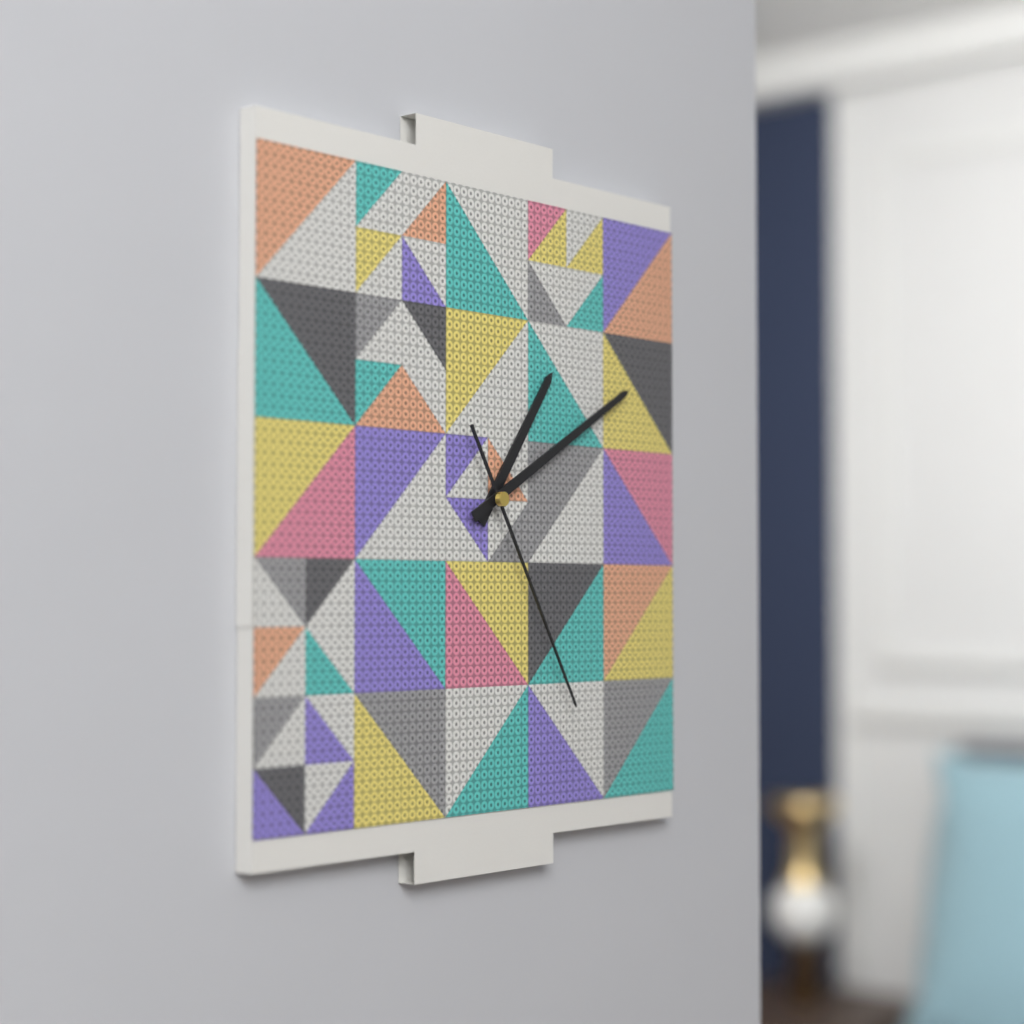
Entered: 1.10.25
